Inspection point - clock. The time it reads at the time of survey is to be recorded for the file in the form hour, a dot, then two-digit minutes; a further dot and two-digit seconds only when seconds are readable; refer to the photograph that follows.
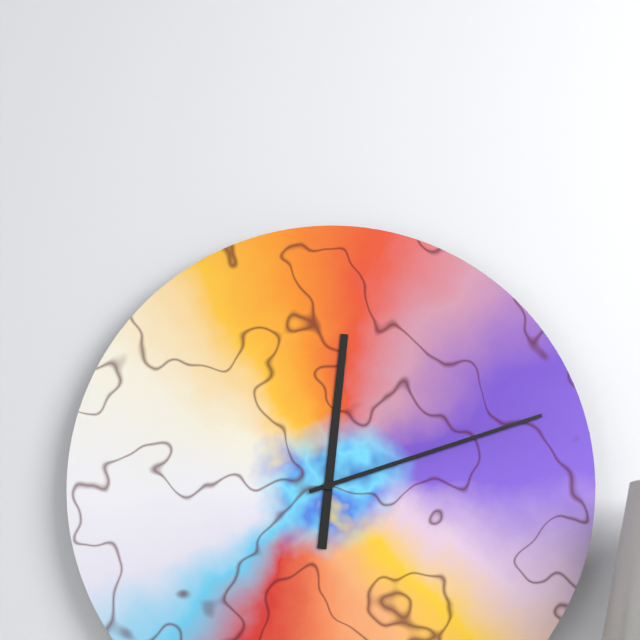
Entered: 12.12
